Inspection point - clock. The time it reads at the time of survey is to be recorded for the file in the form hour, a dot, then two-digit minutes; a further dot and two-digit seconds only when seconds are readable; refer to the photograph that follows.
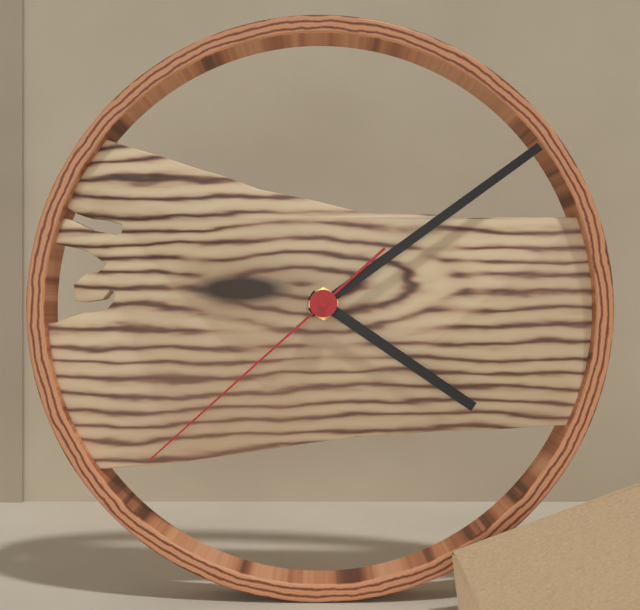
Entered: 4.09.38
